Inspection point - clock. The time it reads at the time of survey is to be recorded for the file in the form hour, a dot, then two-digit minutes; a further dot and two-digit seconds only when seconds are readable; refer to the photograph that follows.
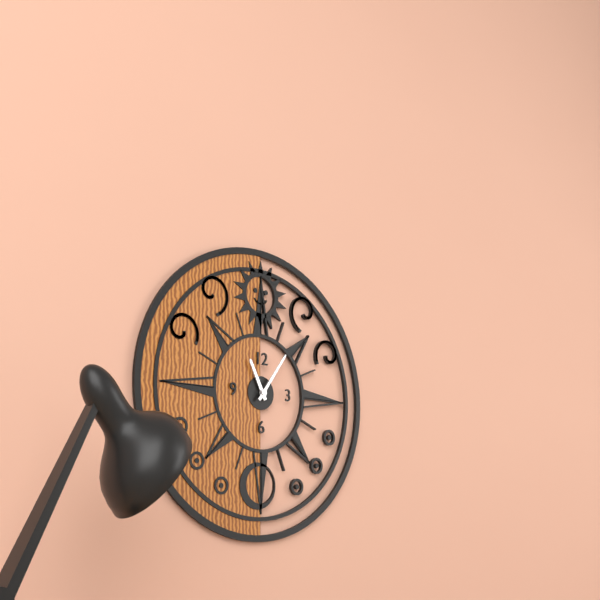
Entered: 11.06
